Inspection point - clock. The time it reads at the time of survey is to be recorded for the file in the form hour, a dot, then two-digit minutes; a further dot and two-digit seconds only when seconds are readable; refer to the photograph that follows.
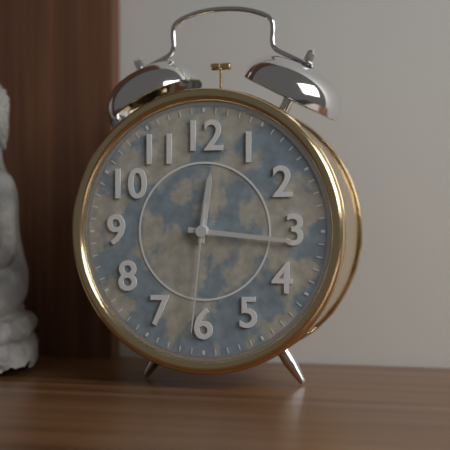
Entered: 12.16.31
